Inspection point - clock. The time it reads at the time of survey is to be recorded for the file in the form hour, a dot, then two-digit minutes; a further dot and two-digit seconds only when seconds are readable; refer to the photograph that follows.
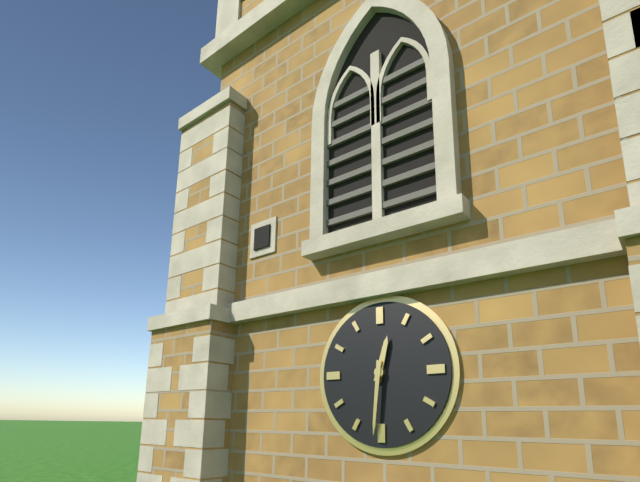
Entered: 12.31
